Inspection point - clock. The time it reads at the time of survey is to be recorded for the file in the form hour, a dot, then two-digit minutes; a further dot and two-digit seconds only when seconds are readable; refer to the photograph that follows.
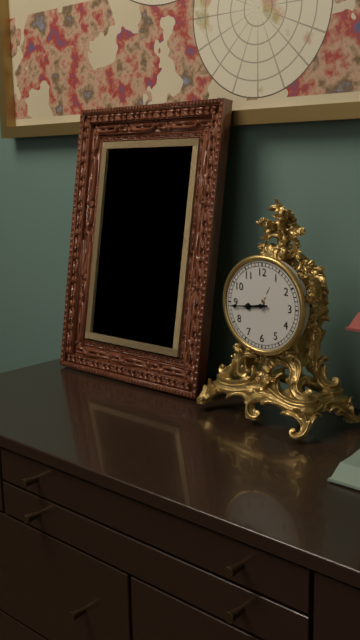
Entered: 8.44
